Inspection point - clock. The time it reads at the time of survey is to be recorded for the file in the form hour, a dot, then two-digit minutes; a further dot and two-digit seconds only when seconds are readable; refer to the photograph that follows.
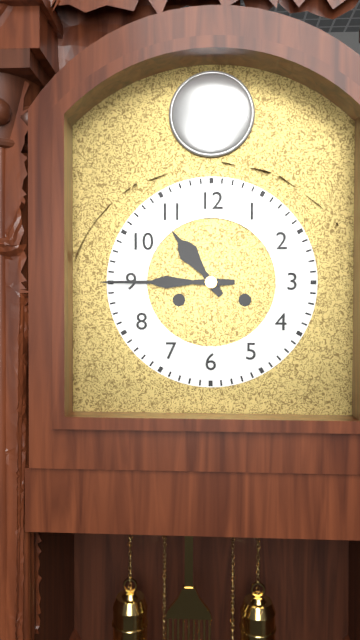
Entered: 10.45
